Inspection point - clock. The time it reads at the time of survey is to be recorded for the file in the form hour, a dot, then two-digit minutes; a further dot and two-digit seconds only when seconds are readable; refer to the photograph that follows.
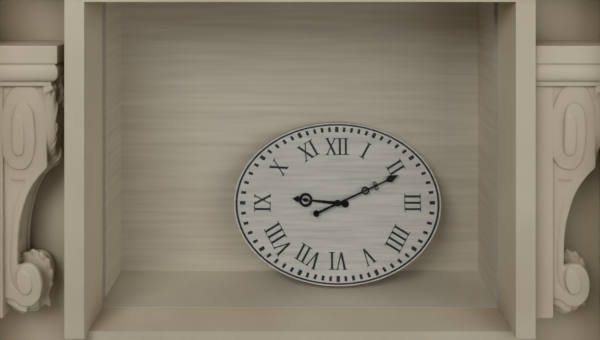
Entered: 9.11
